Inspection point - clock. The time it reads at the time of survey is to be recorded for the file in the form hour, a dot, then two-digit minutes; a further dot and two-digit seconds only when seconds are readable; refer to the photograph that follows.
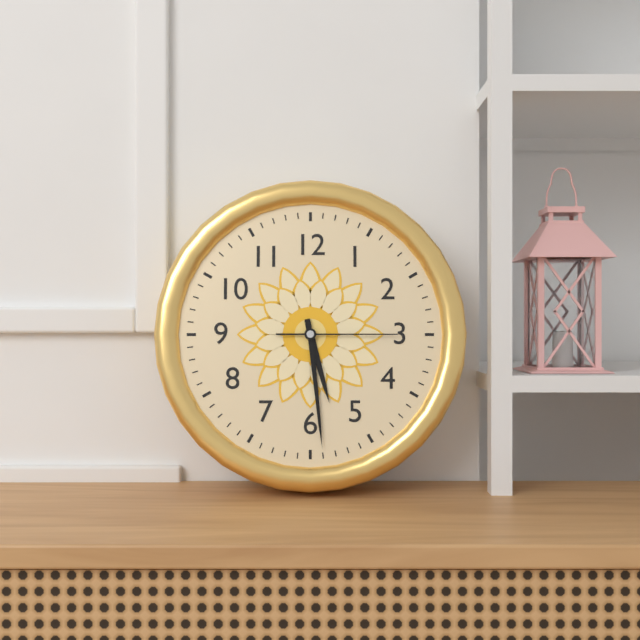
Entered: 5.29.15
